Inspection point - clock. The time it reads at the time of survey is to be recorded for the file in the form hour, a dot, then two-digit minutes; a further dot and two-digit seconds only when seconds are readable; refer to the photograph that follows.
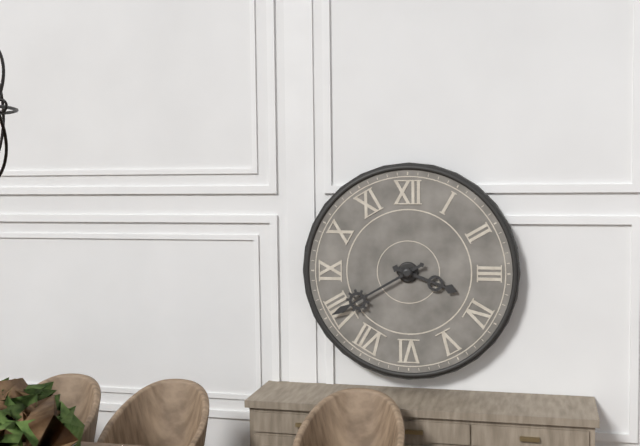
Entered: 3.40
